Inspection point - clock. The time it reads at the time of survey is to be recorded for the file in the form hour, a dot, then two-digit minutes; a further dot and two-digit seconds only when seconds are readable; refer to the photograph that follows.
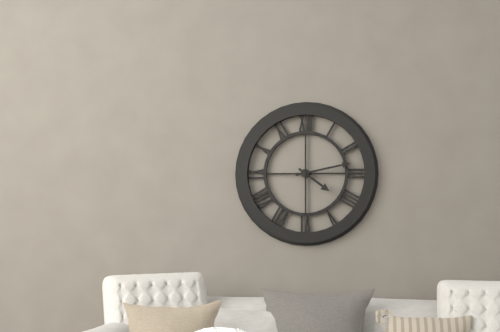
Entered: 4.13
